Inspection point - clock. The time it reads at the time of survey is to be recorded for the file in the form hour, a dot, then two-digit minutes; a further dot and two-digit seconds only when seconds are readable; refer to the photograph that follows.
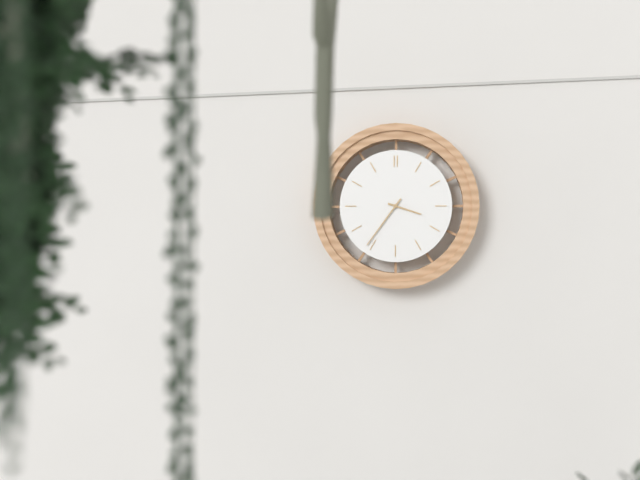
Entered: 3.36
